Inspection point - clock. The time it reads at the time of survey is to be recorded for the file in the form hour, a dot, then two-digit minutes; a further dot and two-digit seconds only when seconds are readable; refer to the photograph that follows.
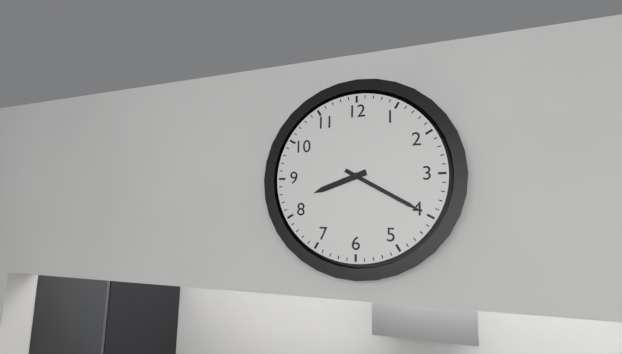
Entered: 8.20
